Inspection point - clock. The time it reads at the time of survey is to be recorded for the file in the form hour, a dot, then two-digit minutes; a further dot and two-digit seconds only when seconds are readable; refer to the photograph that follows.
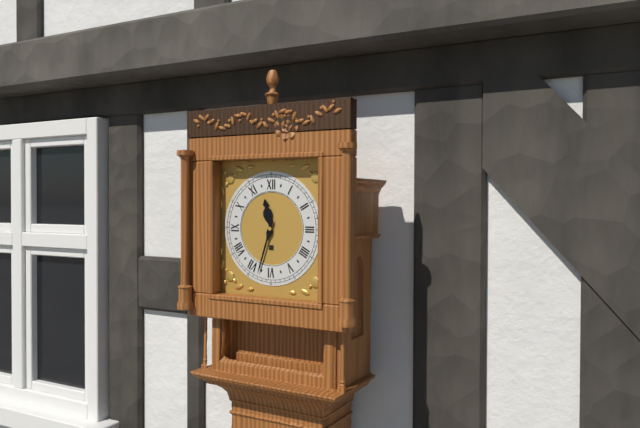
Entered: 11.33
